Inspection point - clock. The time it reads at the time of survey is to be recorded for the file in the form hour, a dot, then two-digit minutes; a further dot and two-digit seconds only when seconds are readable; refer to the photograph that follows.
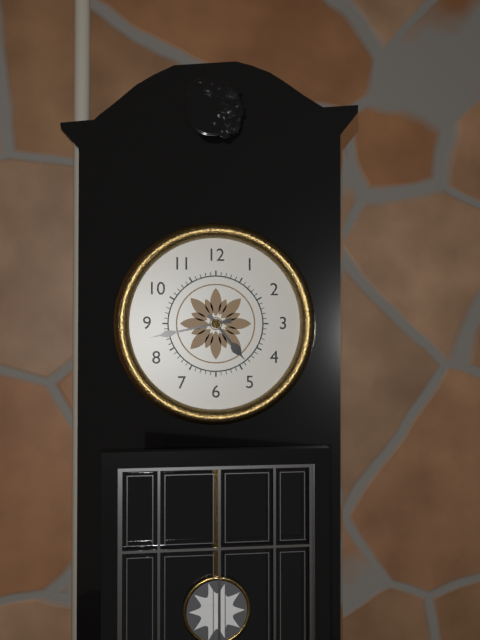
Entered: 4.43
